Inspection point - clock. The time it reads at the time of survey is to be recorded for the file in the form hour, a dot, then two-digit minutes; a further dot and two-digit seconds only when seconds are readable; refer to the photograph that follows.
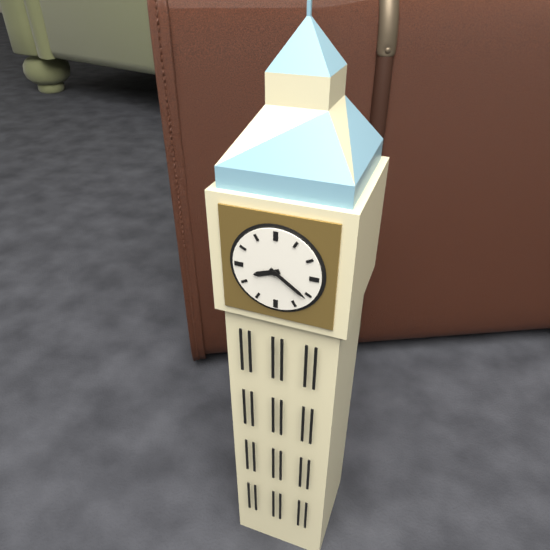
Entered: 8.21
